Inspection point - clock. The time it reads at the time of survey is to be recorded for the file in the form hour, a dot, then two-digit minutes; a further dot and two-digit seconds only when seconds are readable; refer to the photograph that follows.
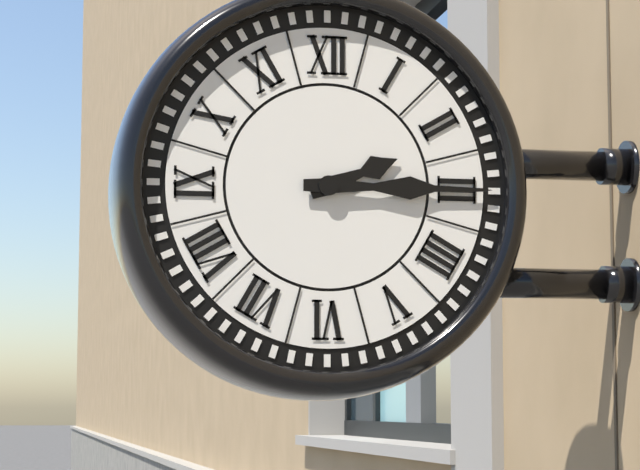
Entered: 2.15
